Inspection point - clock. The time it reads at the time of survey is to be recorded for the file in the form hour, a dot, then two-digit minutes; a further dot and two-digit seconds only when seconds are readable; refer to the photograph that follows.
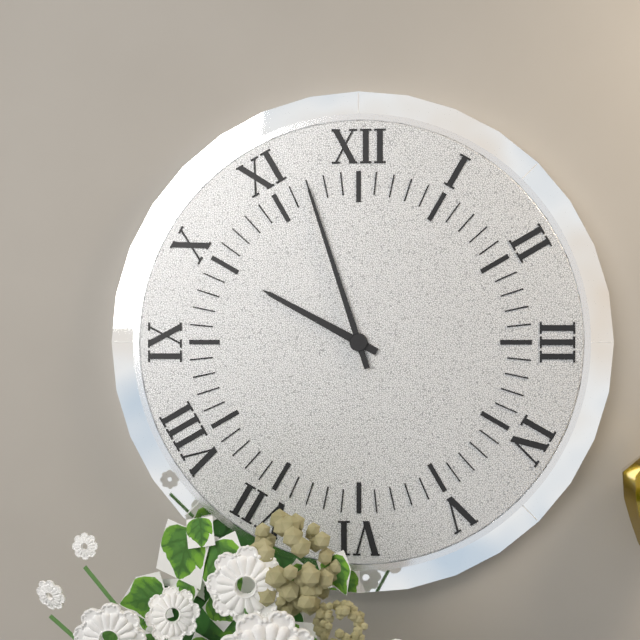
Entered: 9.57
